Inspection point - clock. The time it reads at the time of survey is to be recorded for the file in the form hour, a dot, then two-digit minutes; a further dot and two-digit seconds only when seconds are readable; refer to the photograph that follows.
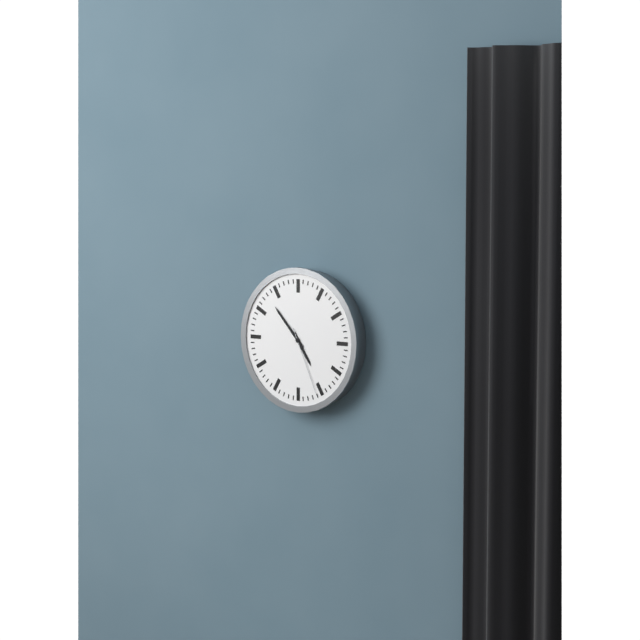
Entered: 4.53.26
